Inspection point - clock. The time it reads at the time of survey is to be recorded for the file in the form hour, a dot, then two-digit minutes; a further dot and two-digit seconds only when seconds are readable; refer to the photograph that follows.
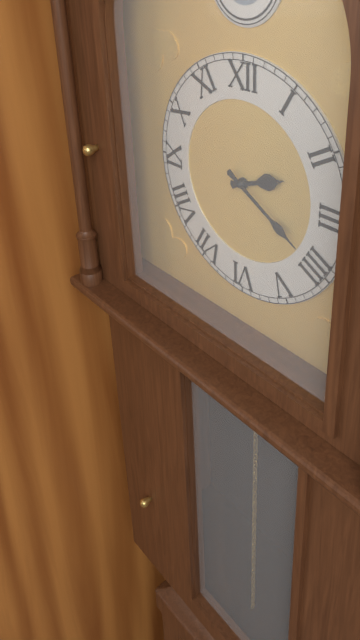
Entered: 2.20
